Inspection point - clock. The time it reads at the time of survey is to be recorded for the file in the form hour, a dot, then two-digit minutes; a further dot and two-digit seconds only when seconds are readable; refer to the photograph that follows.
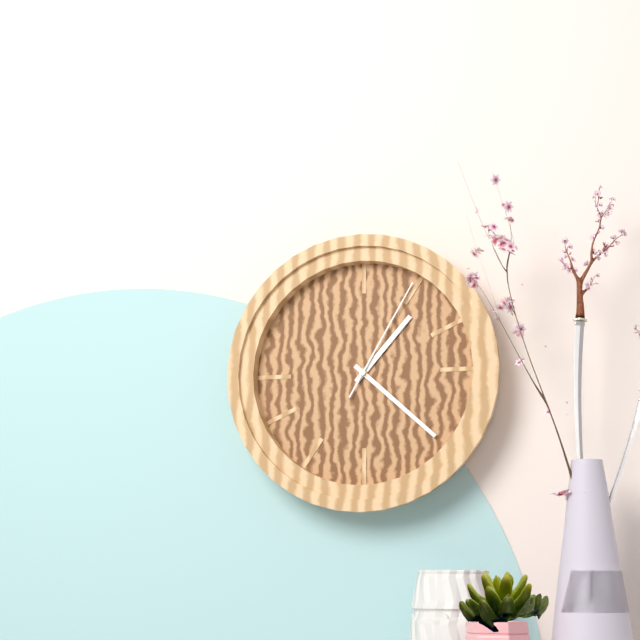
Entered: 1.22.05
